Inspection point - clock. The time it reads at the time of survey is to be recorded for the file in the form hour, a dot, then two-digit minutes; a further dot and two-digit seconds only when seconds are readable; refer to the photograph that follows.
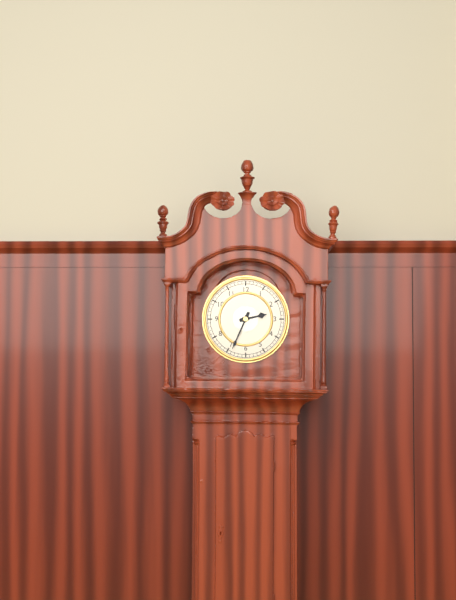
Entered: 2.34
